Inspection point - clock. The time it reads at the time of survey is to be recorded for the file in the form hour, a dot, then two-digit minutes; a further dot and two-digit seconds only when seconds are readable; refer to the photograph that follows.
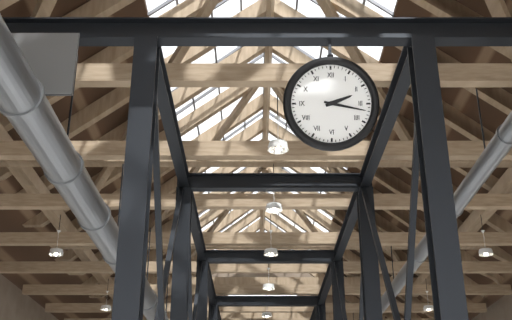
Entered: 2.17
